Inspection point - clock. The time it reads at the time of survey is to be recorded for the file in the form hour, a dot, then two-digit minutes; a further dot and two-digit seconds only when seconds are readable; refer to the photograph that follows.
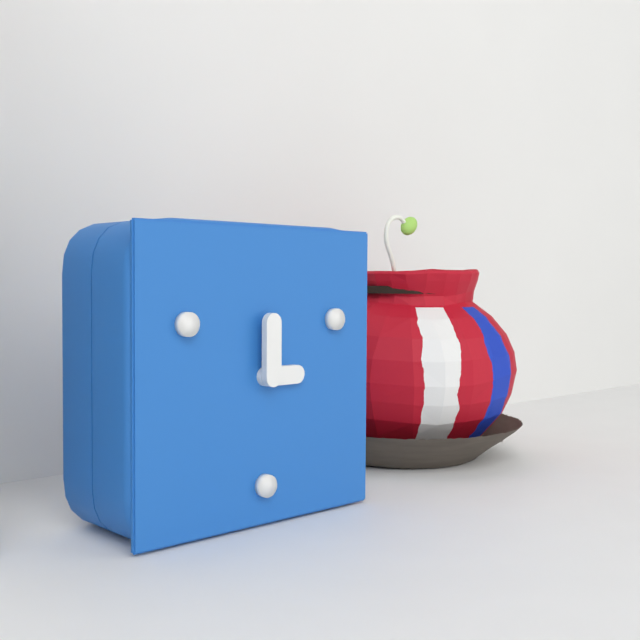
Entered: 3.00
